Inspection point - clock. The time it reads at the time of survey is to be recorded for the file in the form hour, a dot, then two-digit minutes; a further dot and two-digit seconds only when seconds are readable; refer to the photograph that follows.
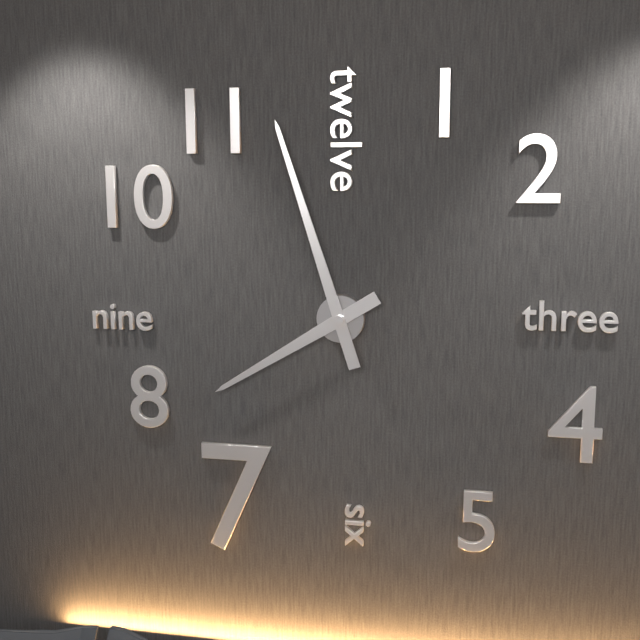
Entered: 7.57
